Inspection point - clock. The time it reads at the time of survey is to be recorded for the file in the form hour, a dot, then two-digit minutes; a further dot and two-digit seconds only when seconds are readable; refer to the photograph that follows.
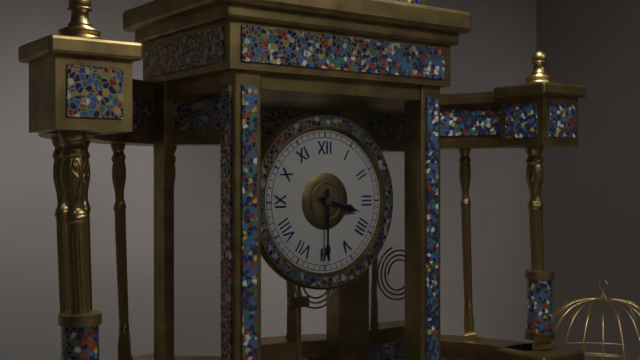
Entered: 3.30
